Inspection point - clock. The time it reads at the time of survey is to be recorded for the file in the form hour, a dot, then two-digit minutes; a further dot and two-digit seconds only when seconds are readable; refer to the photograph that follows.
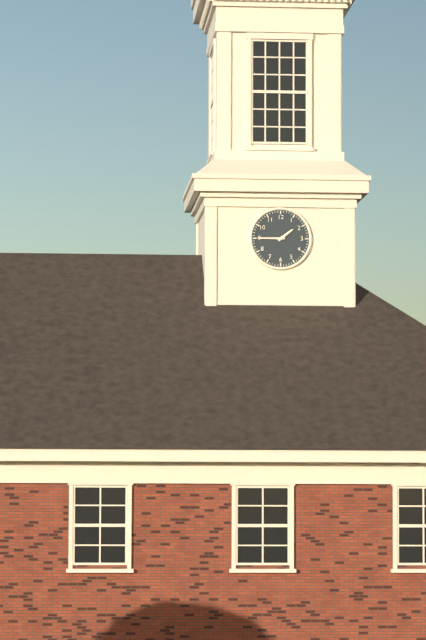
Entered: 1.45
